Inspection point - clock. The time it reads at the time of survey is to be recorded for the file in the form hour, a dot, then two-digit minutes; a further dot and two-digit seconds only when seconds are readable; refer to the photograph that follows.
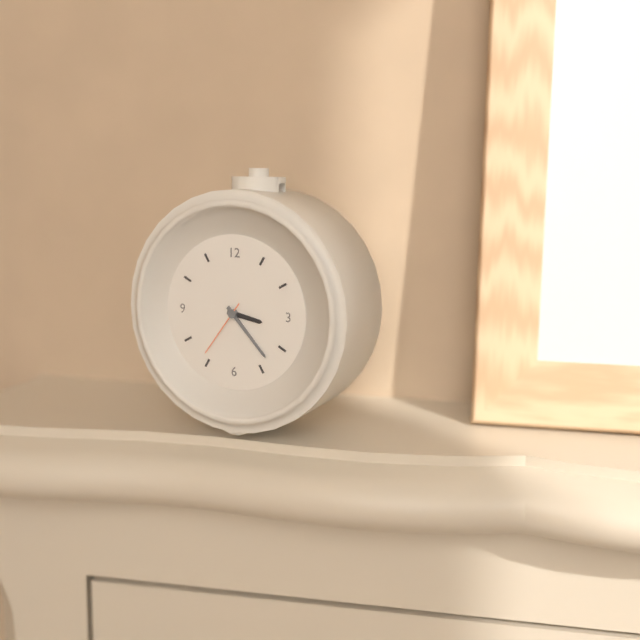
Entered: 3.23.36
